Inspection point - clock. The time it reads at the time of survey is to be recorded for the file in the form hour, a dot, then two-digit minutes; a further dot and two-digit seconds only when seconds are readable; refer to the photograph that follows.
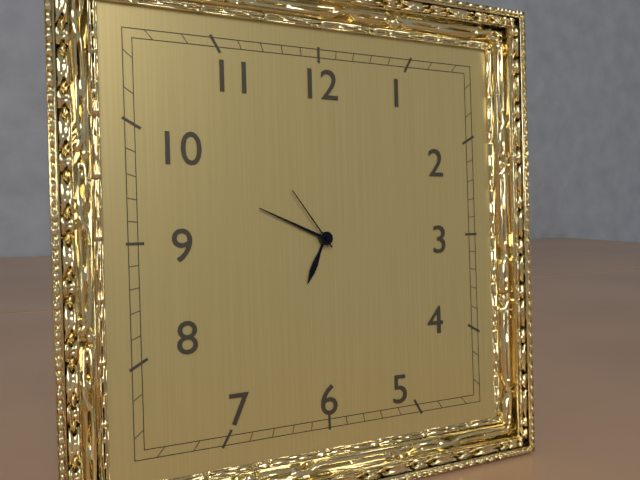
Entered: 6.49.54
